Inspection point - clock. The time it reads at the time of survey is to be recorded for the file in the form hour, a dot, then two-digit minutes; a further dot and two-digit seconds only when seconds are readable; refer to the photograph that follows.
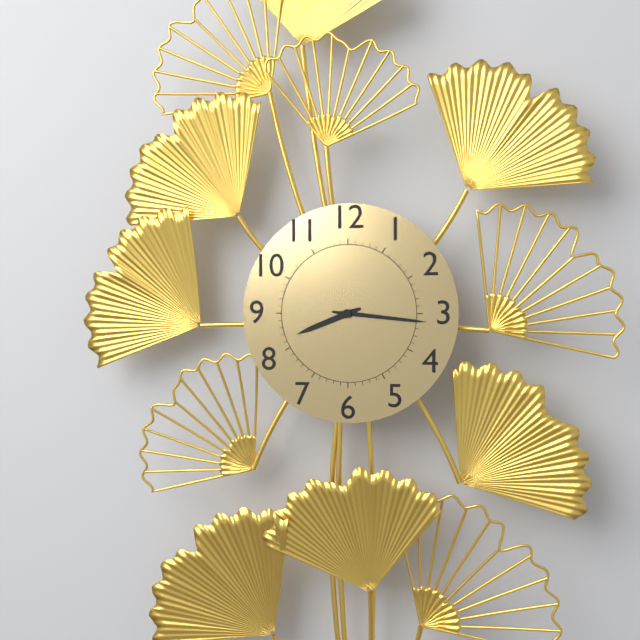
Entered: 8.16
